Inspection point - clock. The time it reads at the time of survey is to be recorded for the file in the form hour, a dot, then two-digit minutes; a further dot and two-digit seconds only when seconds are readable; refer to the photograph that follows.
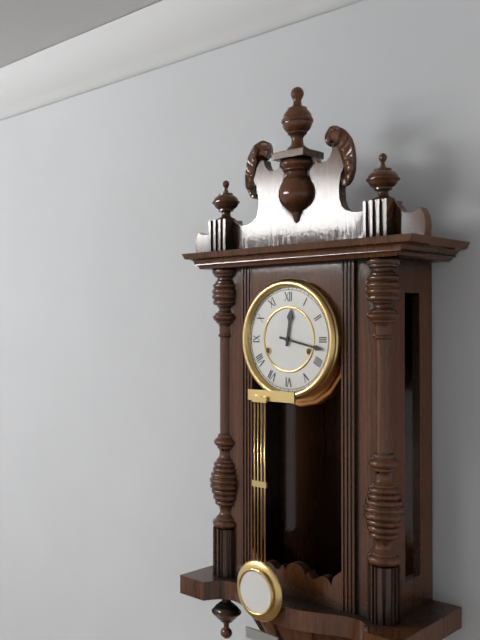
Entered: 12.17
